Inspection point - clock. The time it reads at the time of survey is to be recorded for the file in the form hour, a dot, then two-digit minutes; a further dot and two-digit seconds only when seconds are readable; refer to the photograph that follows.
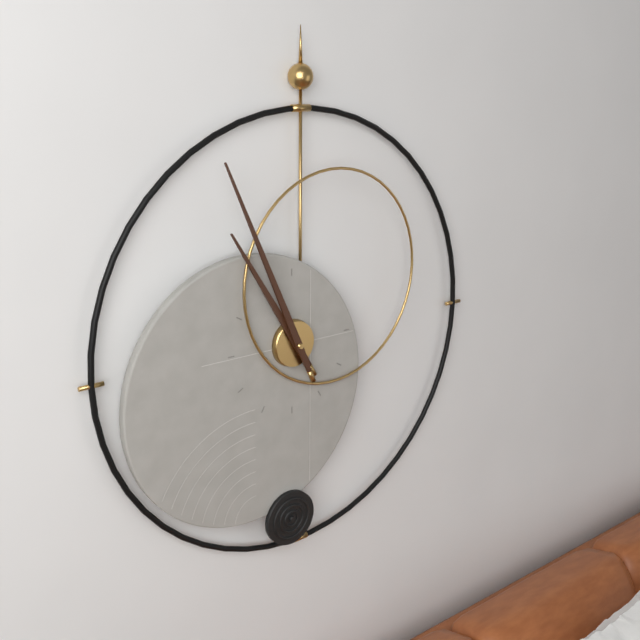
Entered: 10.56
